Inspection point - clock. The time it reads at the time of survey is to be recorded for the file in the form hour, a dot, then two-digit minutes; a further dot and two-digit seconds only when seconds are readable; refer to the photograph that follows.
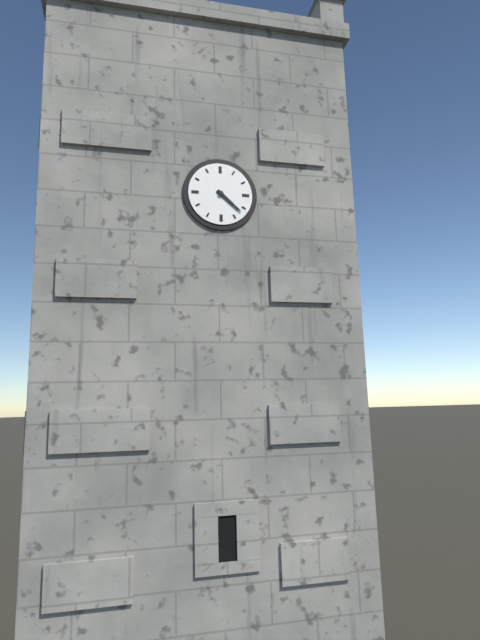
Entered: 4.22
